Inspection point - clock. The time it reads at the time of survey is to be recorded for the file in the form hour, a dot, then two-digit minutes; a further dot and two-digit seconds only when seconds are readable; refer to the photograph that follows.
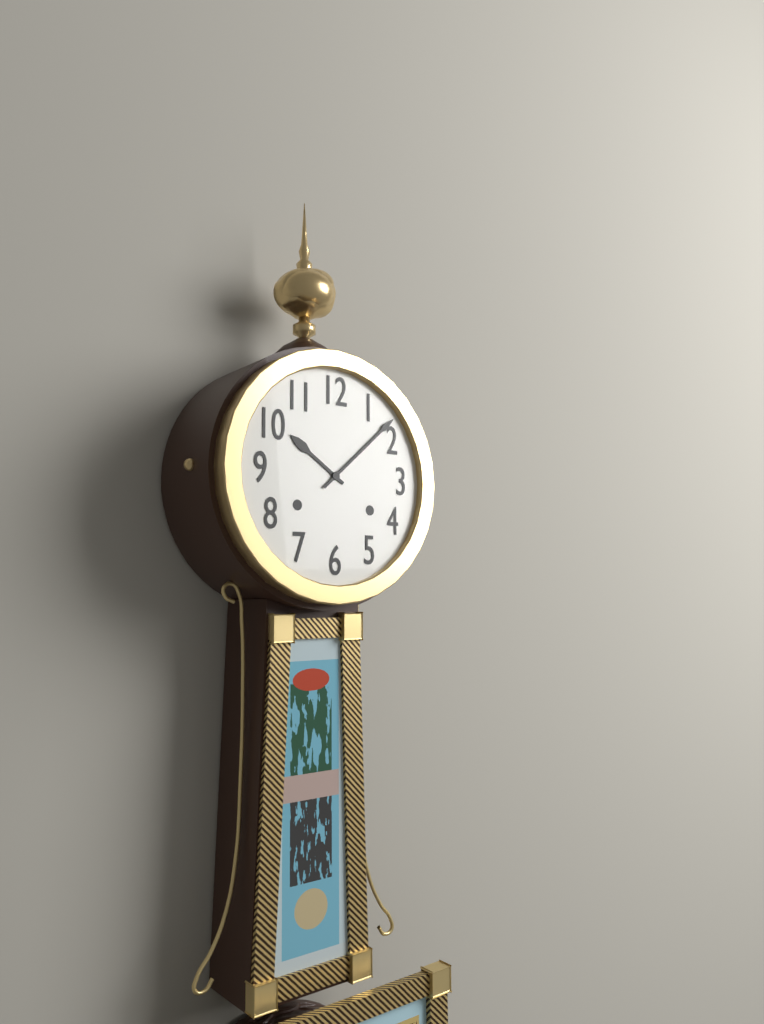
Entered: 10.08
